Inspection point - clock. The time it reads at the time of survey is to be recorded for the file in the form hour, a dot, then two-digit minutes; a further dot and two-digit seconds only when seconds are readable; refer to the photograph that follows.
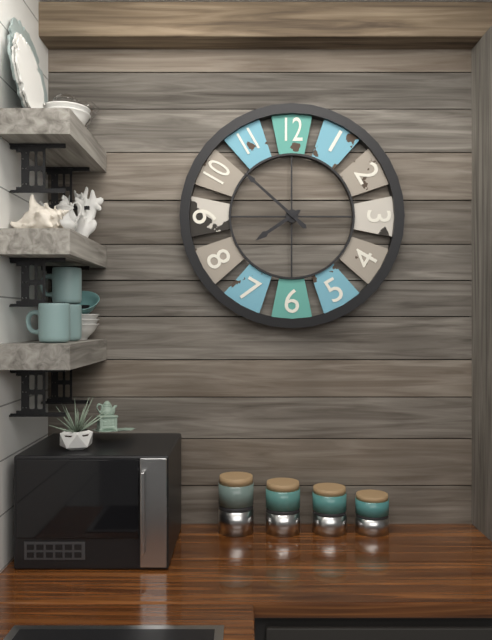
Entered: 7.52
